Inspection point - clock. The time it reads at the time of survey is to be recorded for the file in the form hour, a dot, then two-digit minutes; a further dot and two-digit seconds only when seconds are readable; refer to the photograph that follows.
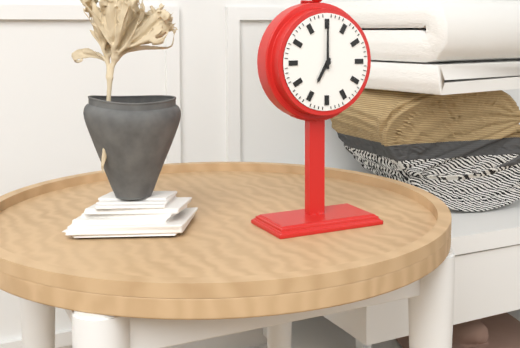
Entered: 7.00
